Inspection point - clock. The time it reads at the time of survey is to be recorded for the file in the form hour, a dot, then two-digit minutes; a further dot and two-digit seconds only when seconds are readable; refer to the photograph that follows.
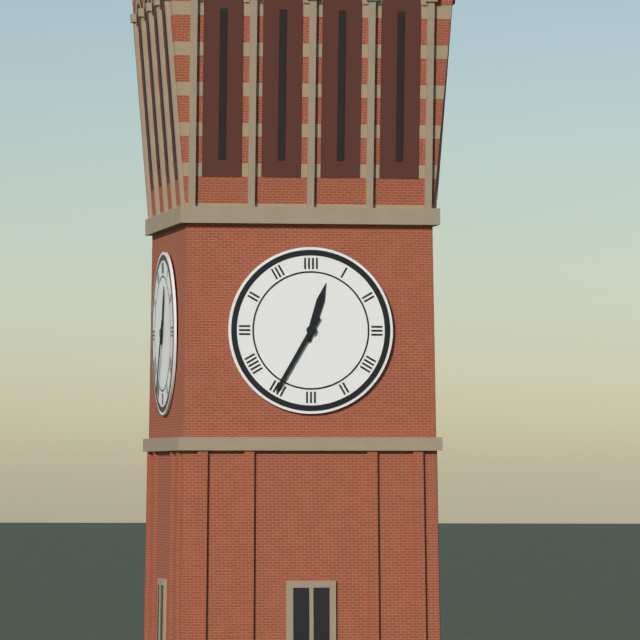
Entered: 12.35
